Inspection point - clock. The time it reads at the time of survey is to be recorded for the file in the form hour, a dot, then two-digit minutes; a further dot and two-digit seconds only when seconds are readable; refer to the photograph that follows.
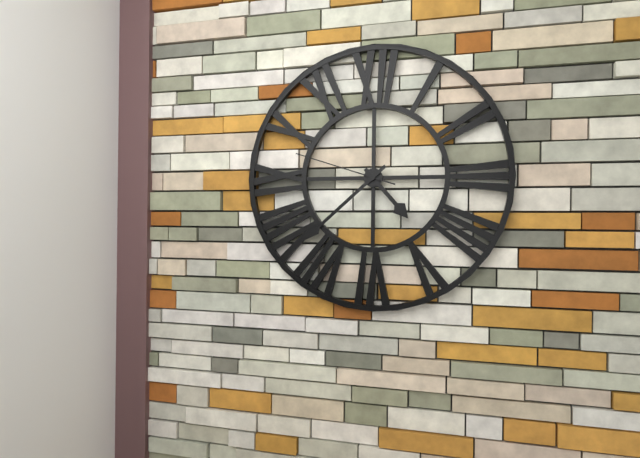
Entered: 4.38.48
